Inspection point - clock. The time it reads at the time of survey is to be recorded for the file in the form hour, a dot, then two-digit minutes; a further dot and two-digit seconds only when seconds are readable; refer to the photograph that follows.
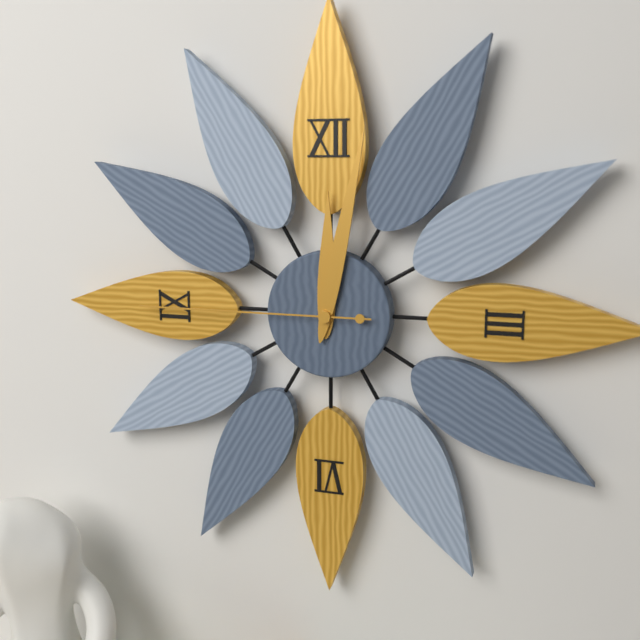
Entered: 12.02.45
